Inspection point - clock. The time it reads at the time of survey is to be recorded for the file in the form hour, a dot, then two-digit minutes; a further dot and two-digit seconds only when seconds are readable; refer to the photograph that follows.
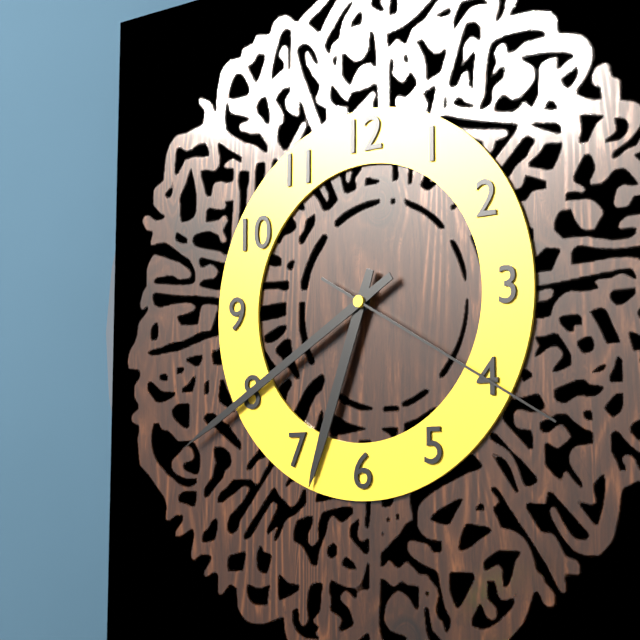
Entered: 6.40.20
